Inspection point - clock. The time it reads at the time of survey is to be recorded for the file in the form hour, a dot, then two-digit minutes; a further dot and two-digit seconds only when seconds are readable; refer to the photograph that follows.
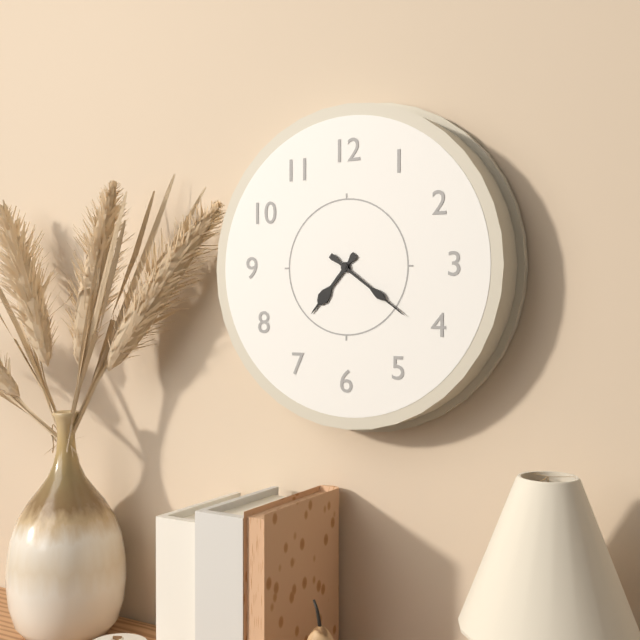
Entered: 7.21
